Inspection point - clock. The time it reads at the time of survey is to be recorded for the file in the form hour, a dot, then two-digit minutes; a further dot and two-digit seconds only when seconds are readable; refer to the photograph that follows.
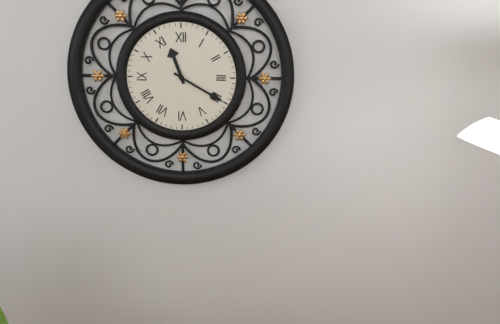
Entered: 11.20
